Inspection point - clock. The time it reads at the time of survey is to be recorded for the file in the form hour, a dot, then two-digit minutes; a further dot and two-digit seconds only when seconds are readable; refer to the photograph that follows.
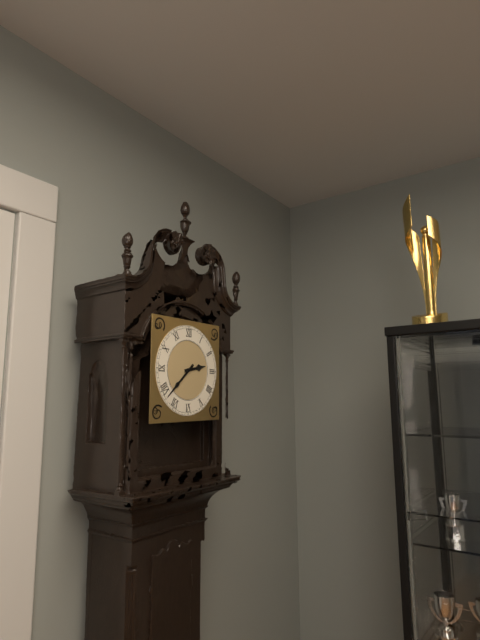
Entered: 2.38
